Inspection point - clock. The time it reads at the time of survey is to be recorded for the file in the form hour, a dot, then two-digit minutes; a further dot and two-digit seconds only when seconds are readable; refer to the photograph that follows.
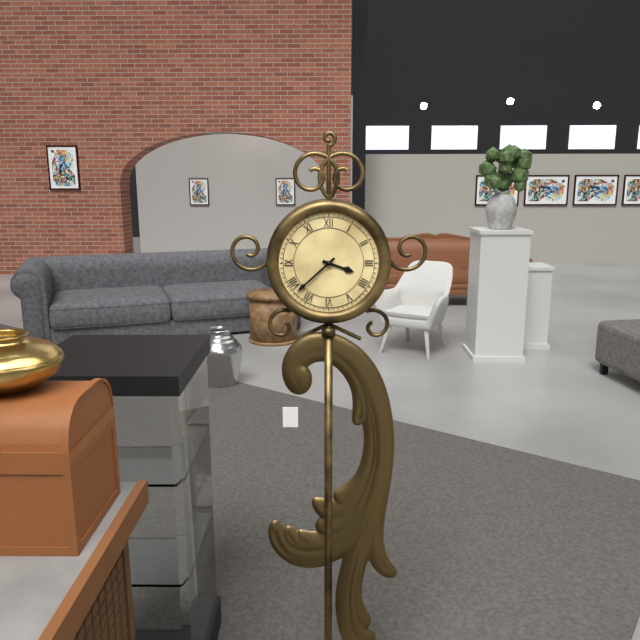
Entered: 3.38
